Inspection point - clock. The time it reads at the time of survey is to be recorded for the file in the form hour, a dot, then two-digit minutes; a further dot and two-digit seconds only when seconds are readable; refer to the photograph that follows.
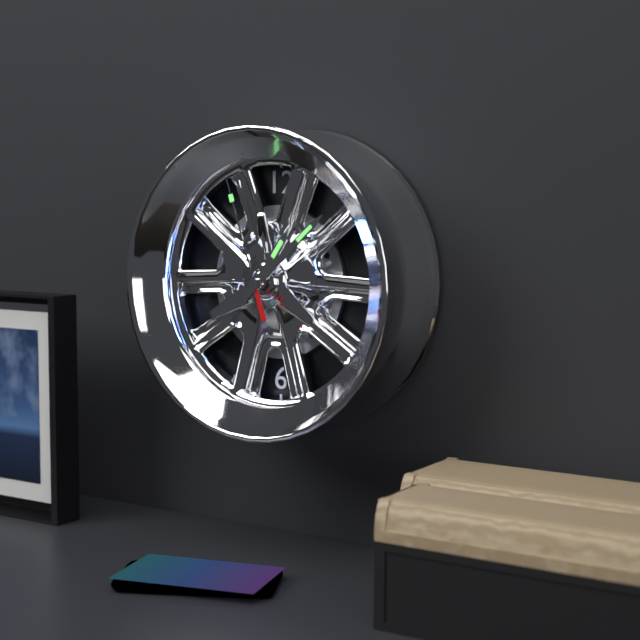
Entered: 1.08.57
